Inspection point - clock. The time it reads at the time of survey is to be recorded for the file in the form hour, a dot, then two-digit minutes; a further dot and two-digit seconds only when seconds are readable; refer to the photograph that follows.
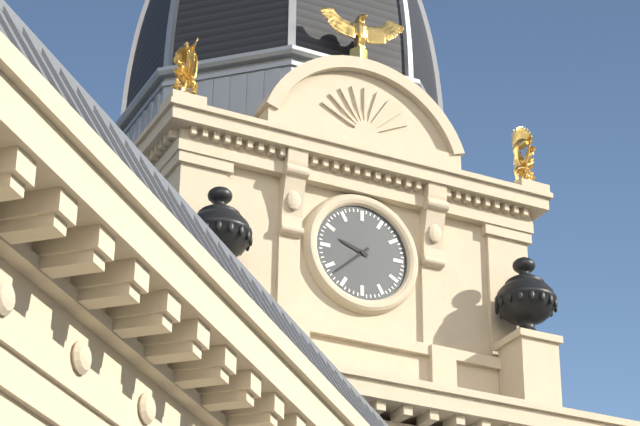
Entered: 9.38
